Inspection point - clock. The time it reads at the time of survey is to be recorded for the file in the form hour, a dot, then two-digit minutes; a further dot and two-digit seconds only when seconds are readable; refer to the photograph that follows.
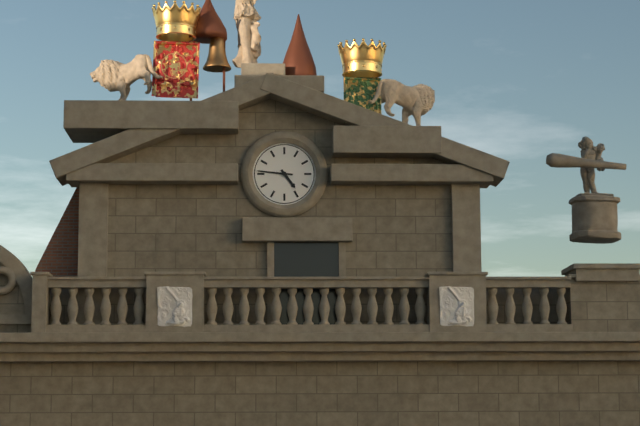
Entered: 4.46
